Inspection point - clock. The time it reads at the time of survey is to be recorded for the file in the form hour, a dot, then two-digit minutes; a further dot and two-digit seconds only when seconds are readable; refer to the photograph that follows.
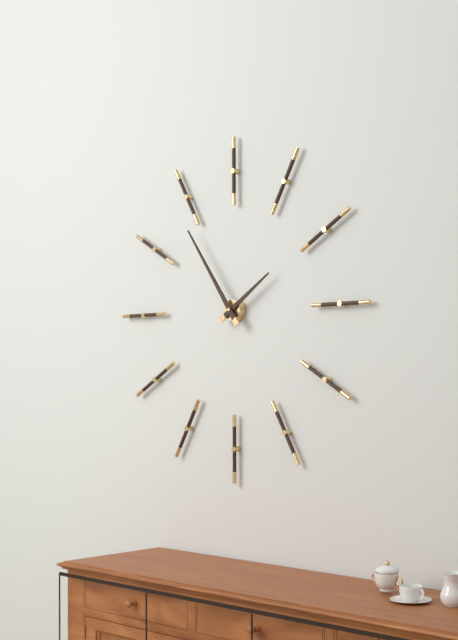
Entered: 1.54
